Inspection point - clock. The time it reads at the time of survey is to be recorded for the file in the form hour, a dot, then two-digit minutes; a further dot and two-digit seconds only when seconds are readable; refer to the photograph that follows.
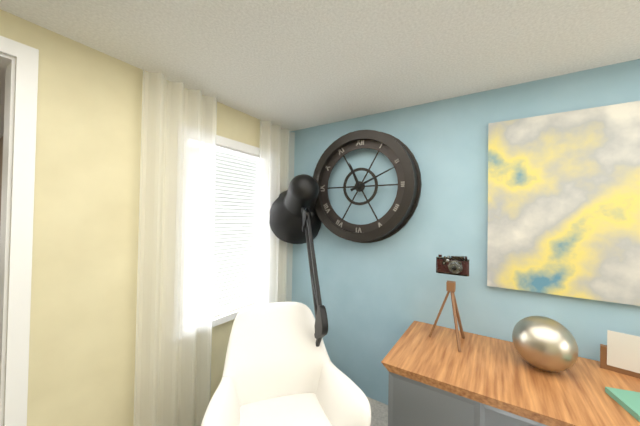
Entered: 11.11
